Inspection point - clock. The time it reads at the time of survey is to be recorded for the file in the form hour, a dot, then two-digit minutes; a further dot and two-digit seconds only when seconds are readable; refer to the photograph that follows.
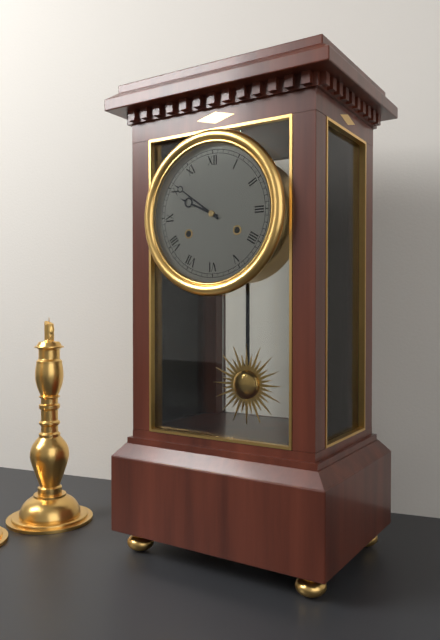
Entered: 9.51
